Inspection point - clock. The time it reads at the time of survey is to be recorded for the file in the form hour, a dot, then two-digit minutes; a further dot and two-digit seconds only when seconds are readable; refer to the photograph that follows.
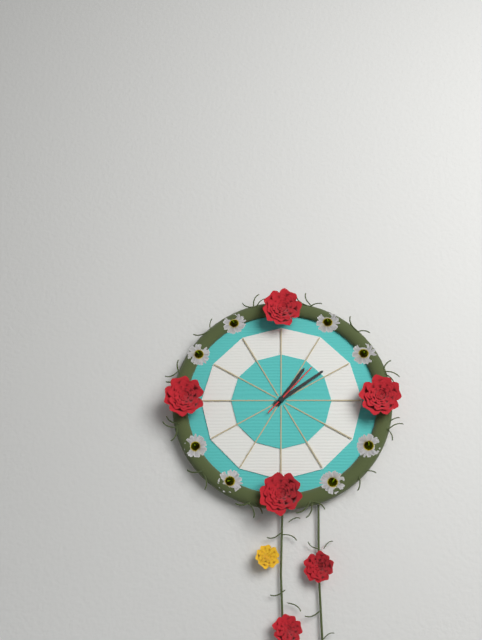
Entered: 1.09.07
